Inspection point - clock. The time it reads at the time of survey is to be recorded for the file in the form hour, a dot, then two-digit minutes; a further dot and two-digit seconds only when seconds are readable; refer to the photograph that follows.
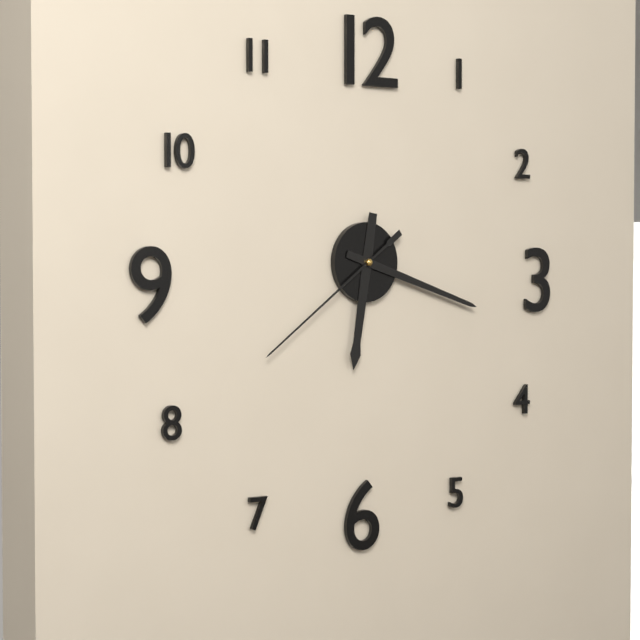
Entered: 6.18.39
